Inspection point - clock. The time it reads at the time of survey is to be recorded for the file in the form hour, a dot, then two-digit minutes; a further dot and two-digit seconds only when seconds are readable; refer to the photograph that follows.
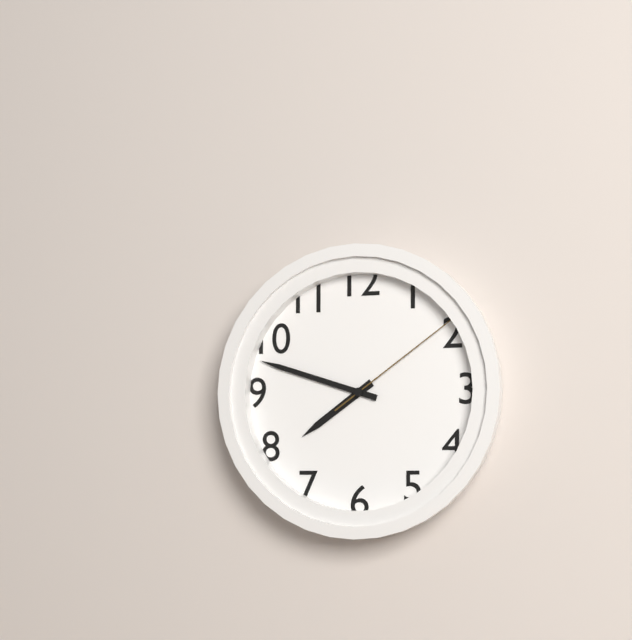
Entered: 7.48.09
